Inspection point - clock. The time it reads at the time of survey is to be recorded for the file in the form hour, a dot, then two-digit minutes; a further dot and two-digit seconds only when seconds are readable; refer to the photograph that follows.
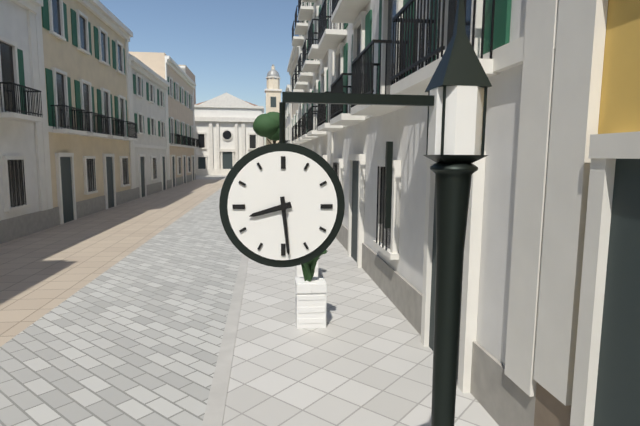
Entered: 8.29
